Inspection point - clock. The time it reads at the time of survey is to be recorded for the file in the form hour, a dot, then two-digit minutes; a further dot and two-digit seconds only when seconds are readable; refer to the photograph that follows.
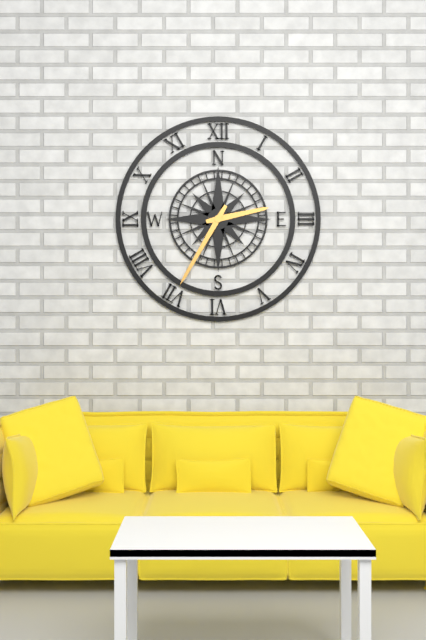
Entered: 2.35
